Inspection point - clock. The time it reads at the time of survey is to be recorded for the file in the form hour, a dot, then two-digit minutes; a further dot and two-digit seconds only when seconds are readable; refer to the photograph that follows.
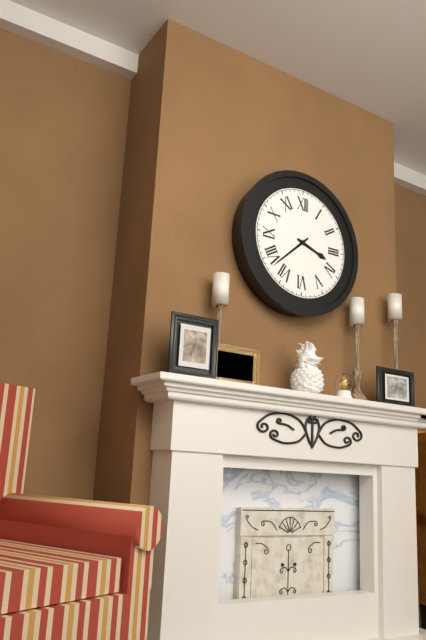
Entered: 3.38
